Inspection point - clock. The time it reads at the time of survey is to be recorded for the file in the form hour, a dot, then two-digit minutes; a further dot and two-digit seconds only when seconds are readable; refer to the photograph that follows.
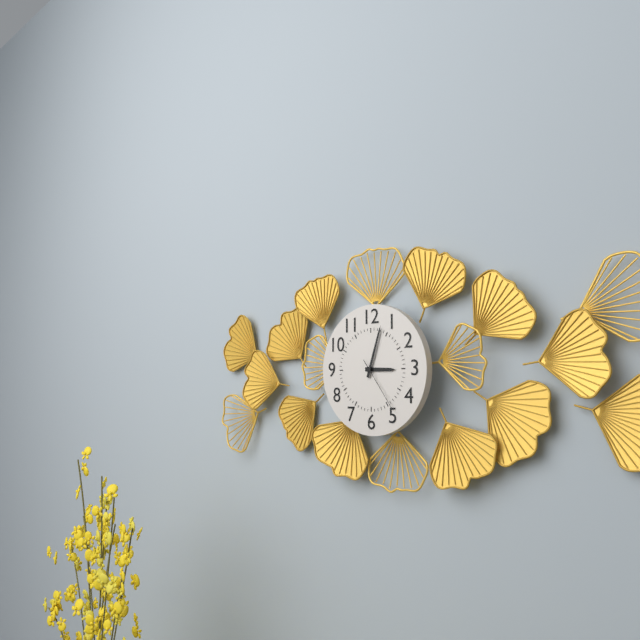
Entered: 3.03.24
